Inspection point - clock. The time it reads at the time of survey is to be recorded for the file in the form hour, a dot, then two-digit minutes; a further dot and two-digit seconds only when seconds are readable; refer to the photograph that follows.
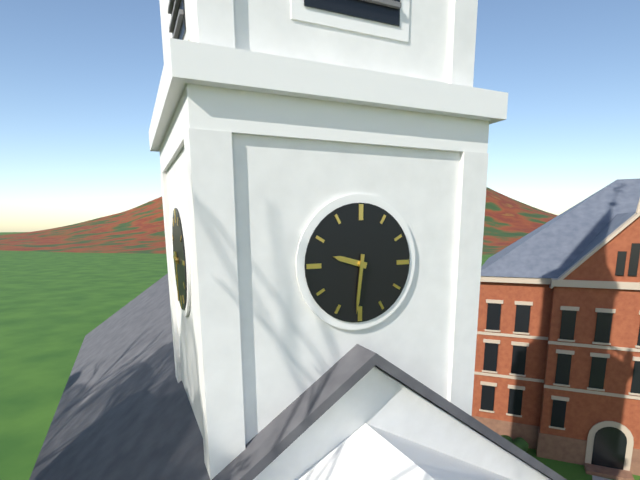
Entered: 9.31
